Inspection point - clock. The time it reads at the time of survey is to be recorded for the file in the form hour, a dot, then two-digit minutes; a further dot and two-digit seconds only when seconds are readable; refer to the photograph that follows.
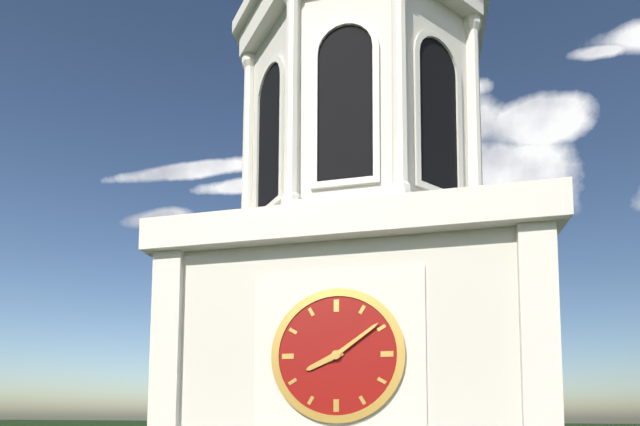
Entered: 8.09
